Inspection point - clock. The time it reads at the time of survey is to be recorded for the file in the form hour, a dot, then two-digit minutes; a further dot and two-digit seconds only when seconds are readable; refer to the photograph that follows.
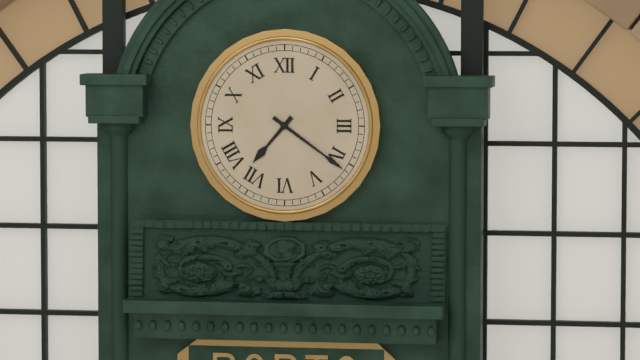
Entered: 7.21
